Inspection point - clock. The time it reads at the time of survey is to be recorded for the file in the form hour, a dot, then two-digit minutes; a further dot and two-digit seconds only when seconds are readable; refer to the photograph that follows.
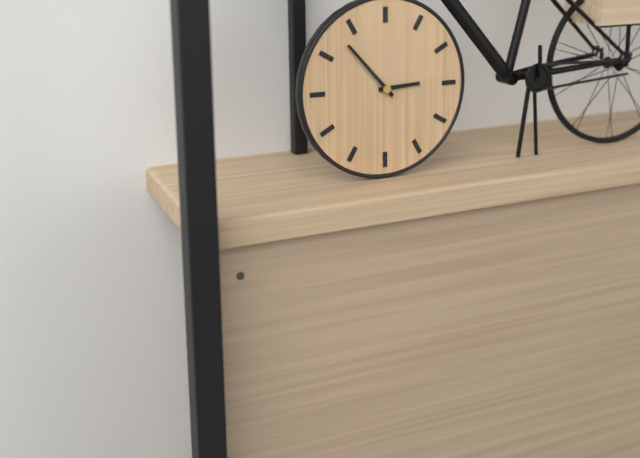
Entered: 2.53
